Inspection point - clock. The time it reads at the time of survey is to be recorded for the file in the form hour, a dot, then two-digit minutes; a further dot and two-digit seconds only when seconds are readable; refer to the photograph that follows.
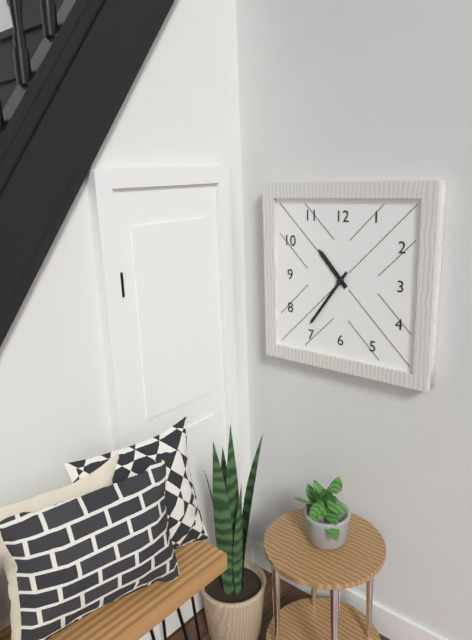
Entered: 10.36
